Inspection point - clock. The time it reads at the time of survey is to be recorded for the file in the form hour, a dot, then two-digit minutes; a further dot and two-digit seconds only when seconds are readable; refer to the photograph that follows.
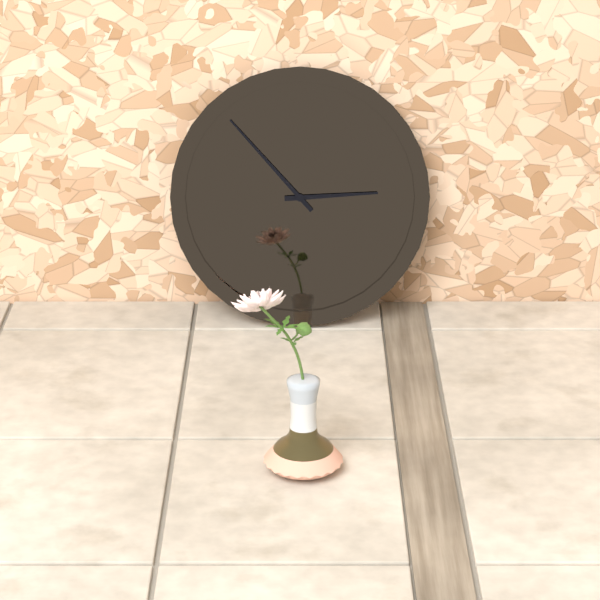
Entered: 2.53
